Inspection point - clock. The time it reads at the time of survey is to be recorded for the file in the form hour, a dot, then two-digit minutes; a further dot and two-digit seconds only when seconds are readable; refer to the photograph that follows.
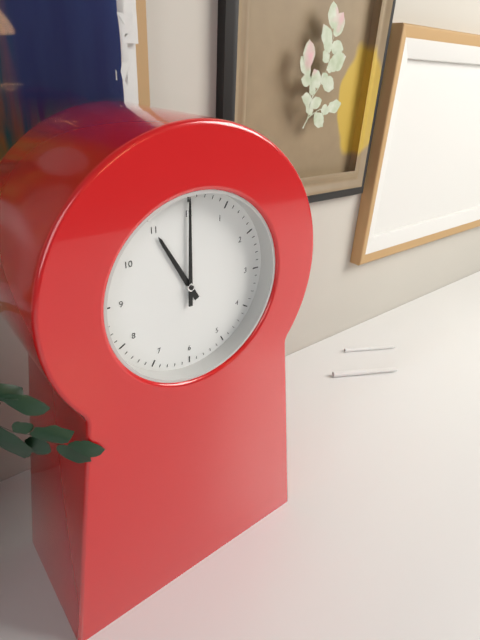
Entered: 11.00
